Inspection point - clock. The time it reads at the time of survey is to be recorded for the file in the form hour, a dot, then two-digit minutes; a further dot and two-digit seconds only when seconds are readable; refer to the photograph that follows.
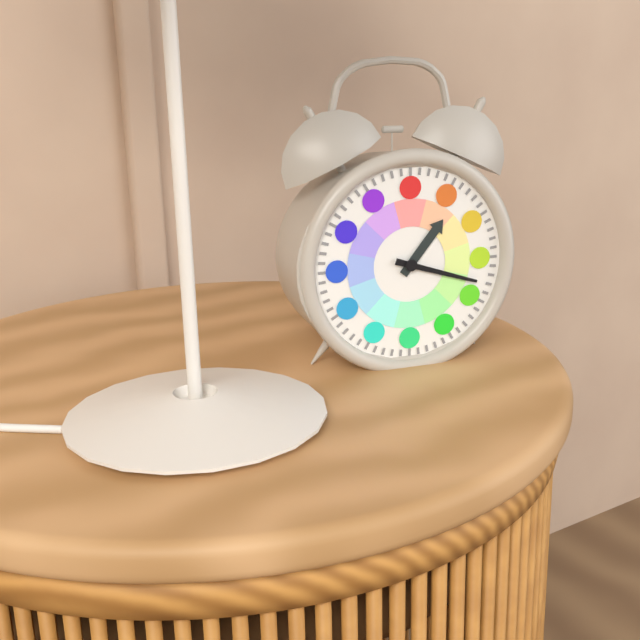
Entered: 1.18
